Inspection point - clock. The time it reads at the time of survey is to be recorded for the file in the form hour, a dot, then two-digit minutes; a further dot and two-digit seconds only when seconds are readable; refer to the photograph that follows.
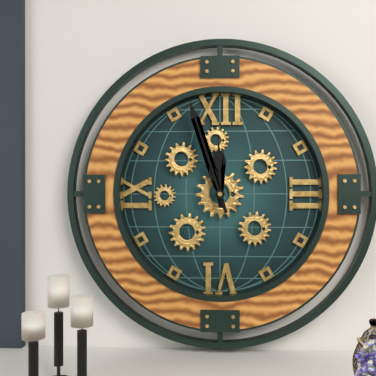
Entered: 11.57
